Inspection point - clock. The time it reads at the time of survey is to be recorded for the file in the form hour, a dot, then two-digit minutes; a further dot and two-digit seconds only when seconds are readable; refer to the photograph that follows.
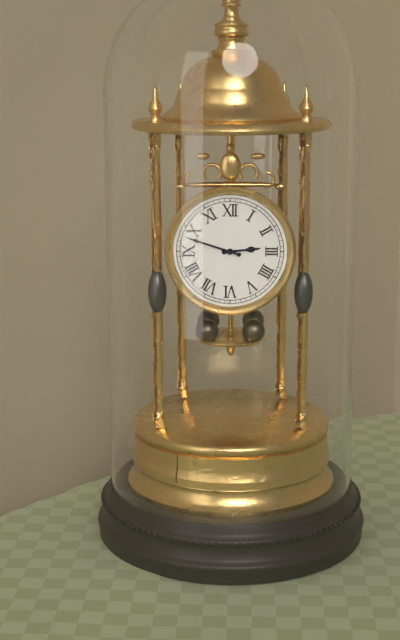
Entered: 2.48
